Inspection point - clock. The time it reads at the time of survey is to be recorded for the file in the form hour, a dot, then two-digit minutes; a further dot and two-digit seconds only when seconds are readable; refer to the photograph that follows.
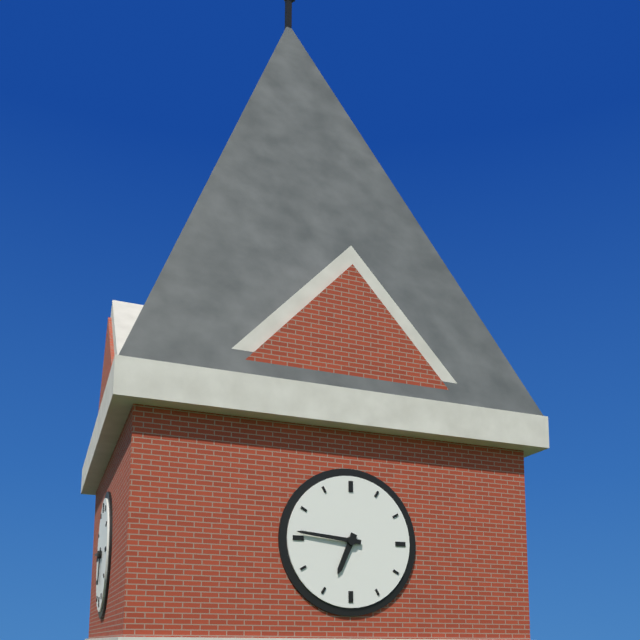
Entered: 6.46
